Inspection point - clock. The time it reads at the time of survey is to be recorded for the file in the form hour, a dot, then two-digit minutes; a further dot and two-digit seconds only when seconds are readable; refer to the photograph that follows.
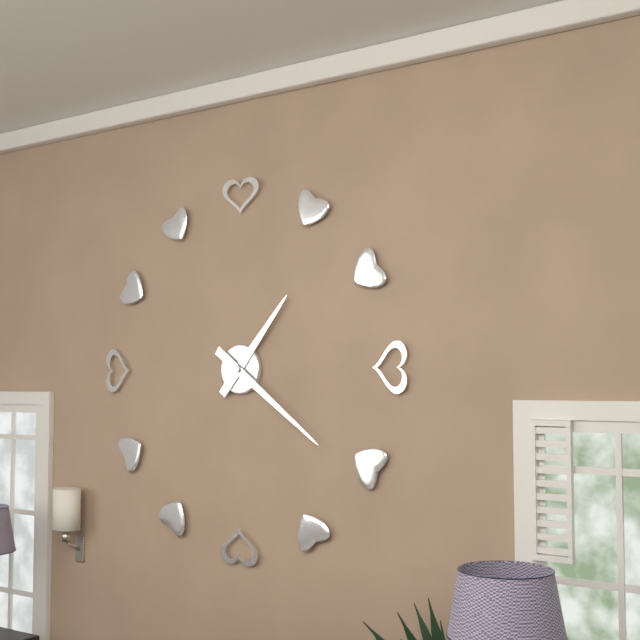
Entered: 1.21
